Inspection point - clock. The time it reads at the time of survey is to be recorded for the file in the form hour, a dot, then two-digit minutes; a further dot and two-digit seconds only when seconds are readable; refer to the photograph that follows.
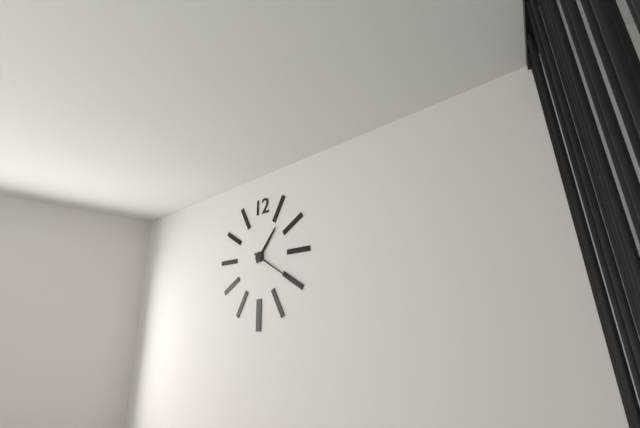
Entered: 1.20
